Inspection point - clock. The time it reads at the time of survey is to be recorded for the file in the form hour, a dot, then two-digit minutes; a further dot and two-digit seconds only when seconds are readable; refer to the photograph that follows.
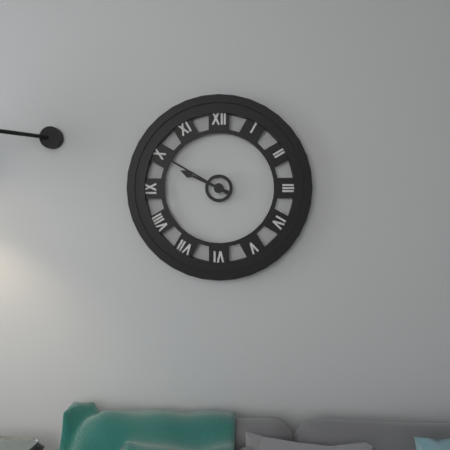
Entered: 9.50
